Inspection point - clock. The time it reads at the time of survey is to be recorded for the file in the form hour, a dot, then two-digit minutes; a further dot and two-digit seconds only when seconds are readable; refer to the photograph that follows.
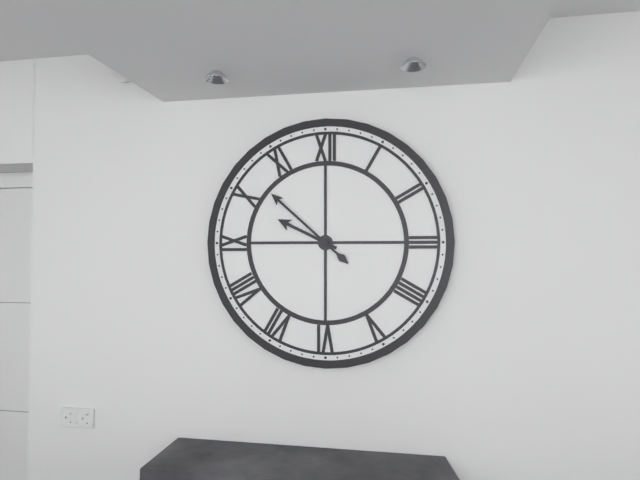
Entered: 9.52
